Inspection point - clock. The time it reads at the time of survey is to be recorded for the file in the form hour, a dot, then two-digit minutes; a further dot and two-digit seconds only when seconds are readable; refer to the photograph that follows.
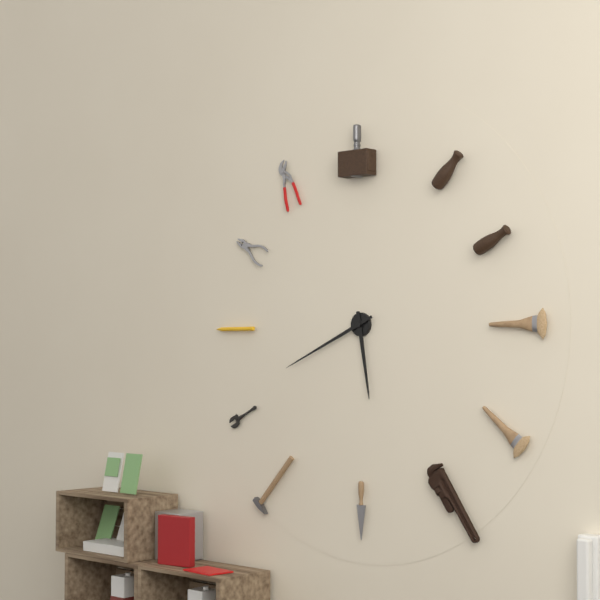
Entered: 5.41
